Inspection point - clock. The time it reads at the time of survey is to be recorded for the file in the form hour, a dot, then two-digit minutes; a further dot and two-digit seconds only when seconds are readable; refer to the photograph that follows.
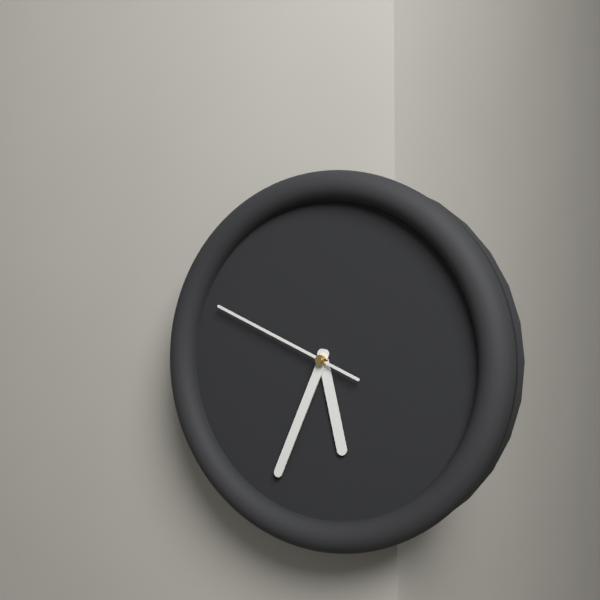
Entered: 5.34.49
